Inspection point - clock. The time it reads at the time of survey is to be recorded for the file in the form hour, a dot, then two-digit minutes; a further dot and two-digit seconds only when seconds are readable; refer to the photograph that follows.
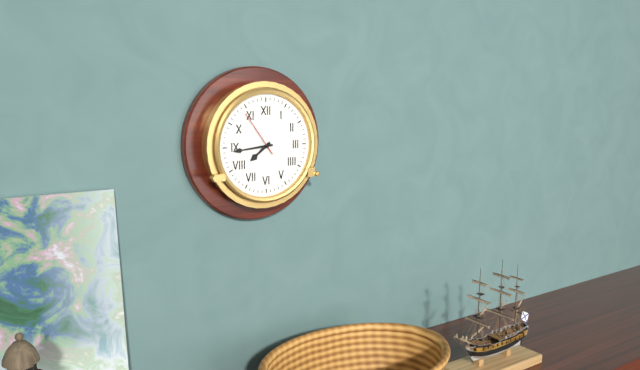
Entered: 7.44
